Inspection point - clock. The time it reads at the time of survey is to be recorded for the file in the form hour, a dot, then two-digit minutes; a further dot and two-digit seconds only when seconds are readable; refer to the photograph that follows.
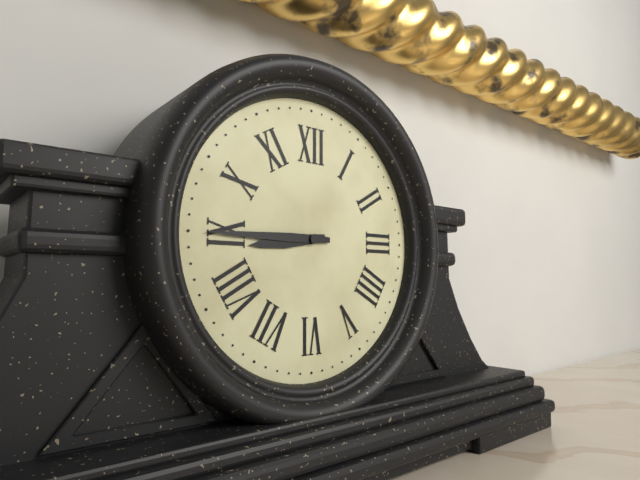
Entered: 8.45
